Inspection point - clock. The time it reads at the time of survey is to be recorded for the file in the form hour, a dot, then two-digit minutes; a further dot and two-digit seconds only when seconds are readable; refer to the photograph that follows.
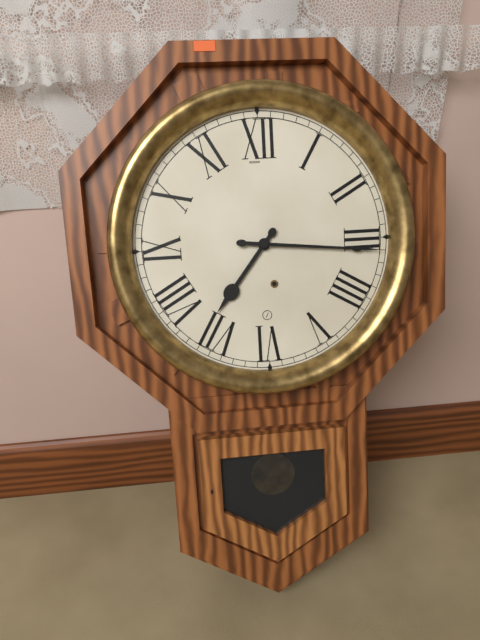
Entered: 7.16
